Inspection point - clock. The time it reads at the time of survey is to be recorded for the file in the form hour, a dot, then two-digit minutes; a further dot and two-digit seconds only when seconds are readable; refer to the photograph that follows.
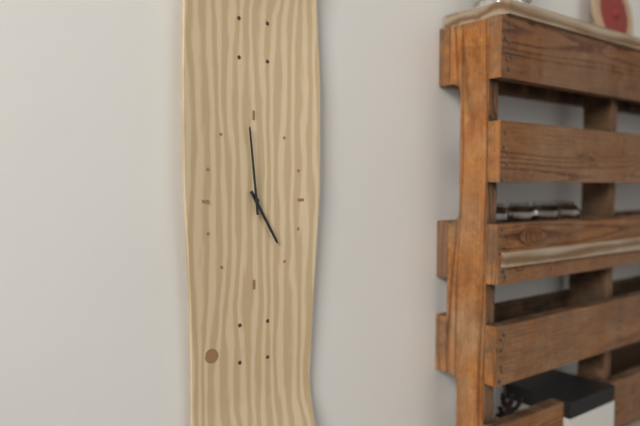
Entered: 4.59
